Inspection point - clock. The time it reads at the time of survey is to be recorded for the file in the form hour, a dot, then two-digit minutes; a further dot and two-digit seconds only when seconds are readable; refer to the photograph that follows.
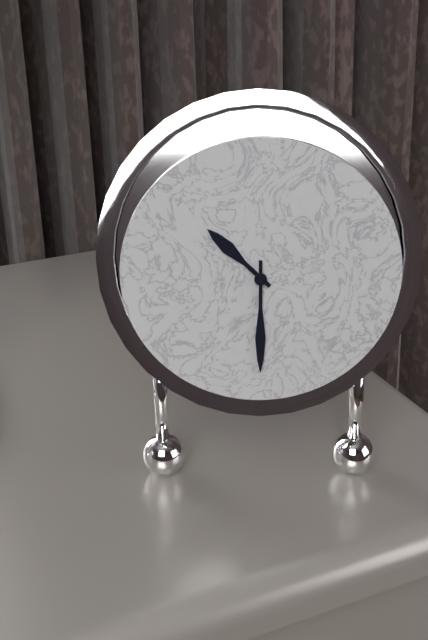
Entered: 10.30
